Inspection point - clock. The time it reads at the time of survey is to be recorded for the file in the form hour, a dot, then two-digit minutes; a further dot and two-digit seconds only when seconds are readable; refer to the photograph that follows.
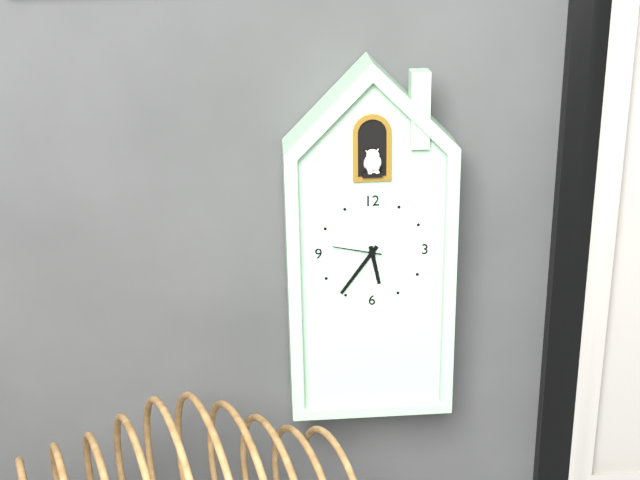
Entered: 5.36.47
